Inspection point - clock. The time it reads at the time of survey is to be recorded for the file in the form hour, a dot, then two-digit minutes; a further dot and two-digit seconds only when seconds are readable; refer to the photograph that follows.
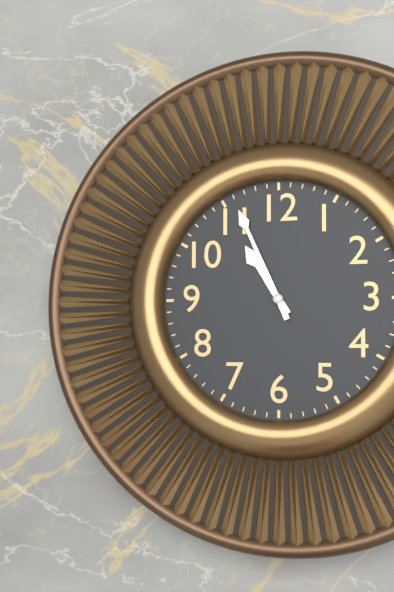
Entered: 10.56
